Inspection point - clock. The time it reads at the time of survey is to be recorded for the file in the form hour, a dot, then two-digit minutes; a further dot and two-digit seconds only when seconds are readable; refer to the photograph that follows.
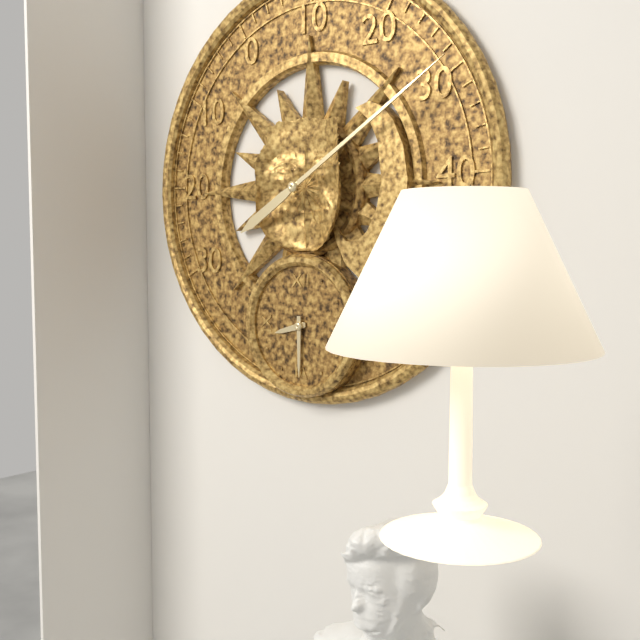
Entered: 8.30
